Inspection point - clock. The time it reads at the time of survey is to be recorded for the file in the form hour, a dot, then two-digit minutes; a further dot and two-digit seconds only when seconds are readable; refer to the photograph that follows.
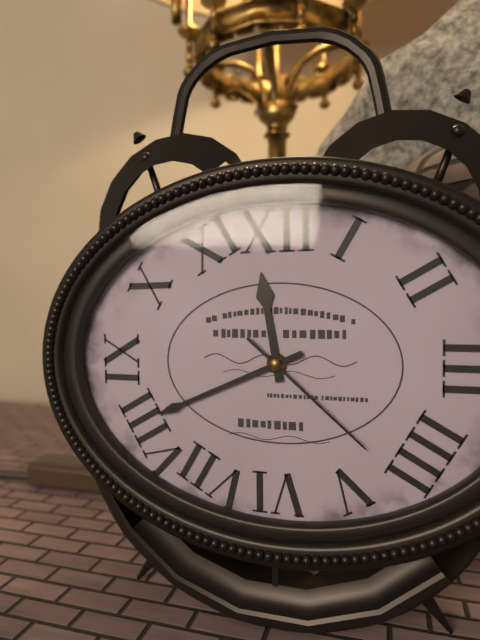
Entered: 11.41.22
